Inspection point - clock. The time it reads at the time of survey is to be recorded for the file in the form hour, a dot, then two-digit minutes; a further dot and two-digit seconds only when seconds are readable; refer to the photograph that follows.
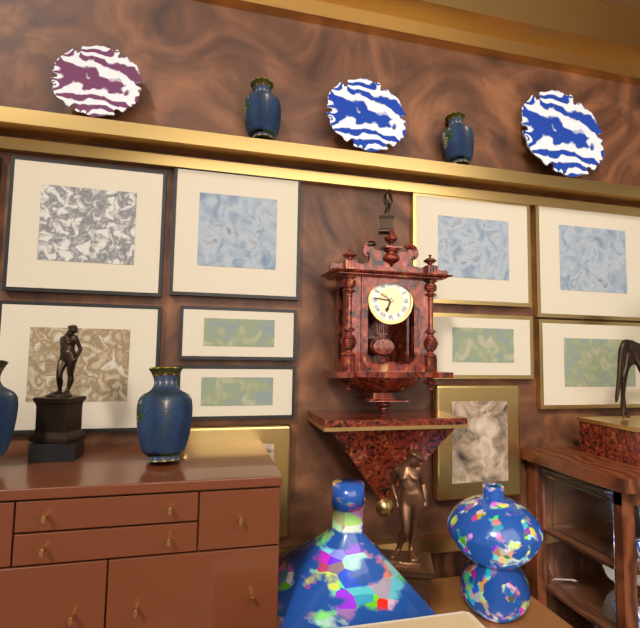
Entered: 6.46
